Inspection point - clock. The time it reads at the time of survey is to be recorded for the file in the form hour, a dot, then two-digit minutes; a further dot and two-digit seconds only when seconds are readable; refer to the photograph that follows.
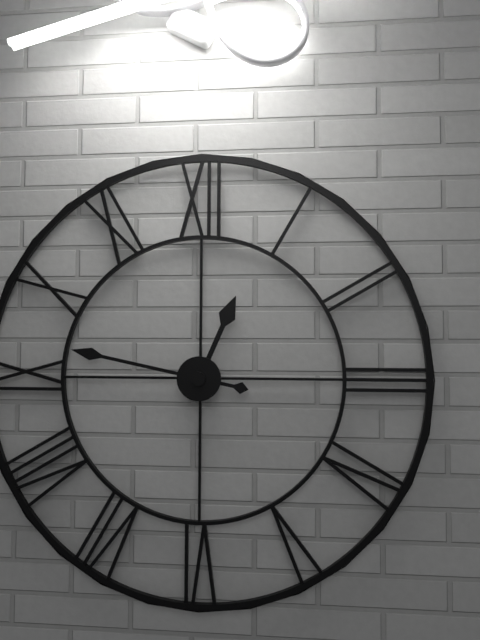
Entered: 12.47
